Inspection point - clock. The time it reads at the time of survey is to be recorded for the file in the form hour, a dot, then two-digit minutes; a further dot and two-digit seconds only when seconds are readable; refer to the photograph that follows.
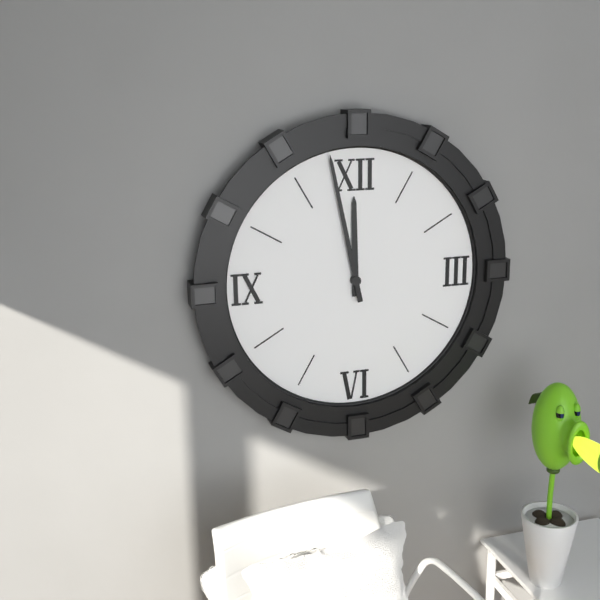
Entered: 11.58
